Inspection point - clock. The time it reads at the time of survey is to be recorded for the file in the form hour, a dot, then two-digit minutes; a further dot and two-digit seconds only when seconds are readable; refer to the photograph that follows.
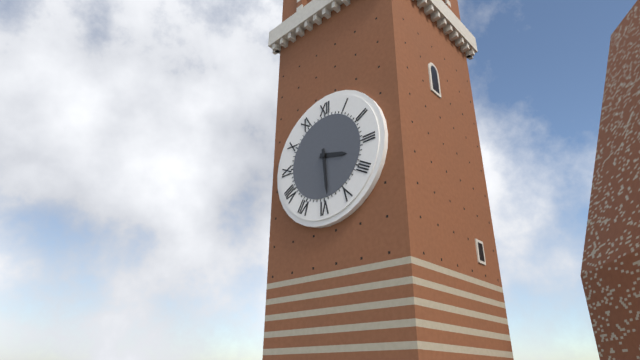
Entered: 3.29
